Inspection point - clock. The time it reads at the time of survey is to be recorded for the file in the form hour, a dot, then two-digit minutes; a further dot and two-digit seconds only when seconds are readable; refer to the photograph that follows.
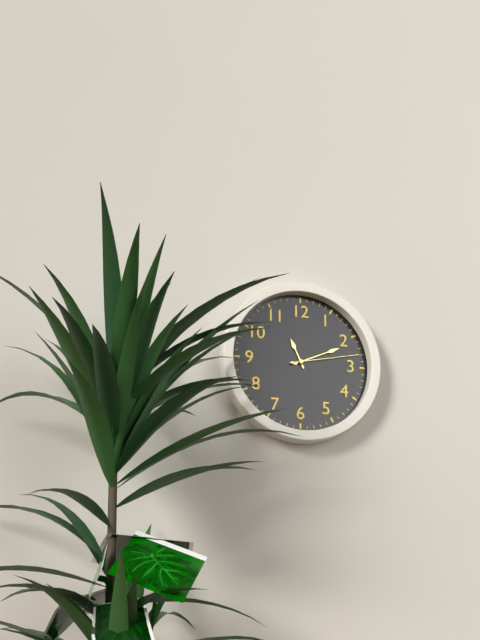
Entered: 11.11.13
